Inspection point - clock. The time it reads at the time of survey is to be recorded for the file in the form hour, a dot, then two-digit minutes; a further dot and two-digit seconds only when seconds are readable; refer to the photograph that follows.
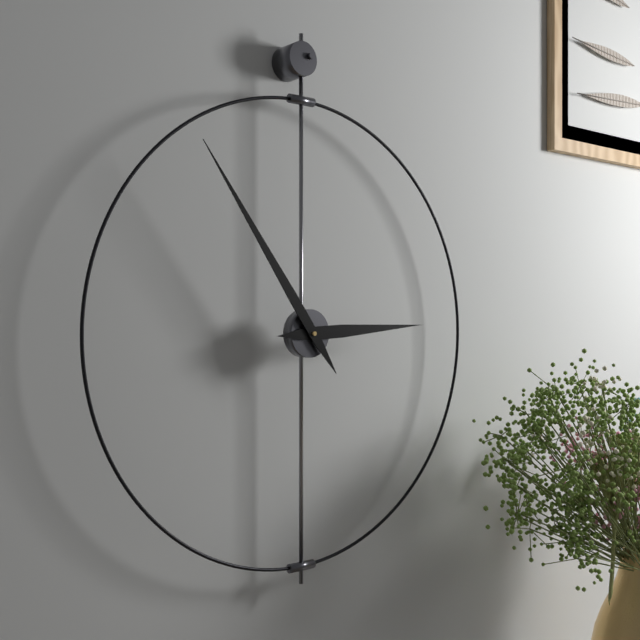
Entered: 2.54
